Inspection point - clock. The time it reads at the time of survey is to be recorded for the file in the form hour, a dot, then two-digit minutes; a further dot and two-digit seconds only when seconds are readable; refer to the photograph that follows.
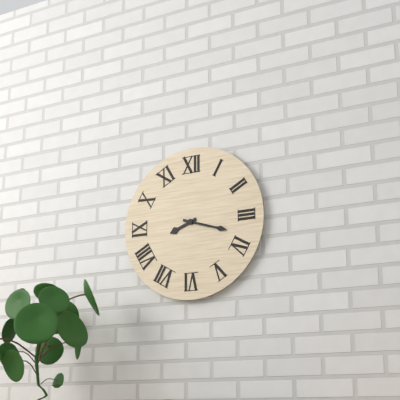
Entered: 8.18
